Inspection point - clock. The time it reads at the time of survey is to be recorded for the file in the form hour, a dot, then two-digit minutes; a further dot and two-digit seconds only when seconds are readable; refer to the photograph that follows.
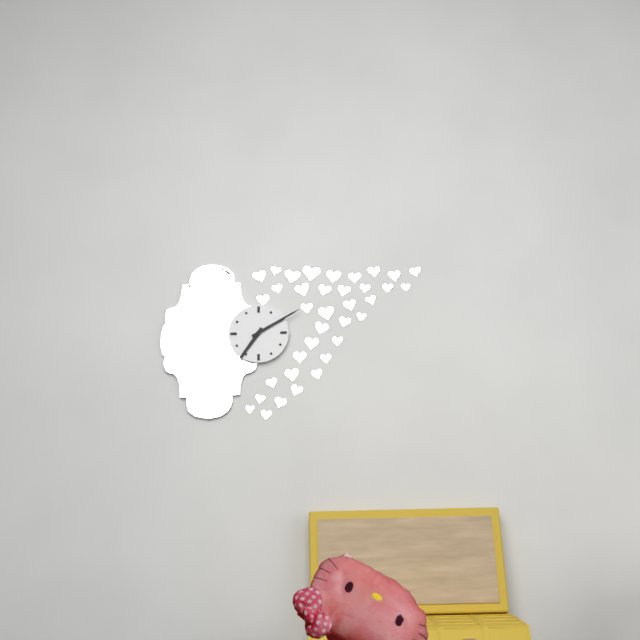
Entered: 7.10
